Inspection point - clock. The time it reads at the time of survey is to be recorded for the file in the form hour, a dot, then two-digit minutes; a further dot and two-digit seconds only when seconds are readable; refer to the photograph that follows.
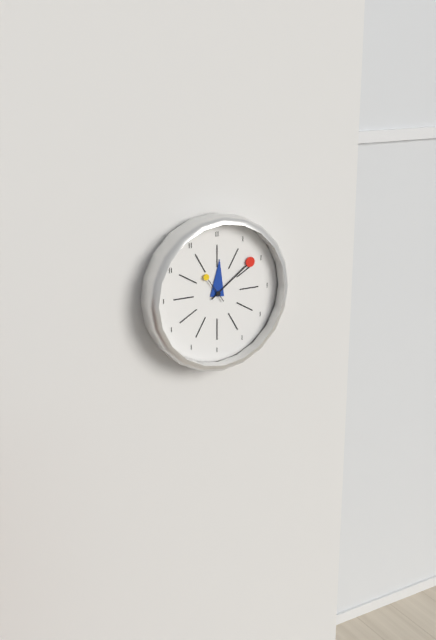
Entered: 12.09
